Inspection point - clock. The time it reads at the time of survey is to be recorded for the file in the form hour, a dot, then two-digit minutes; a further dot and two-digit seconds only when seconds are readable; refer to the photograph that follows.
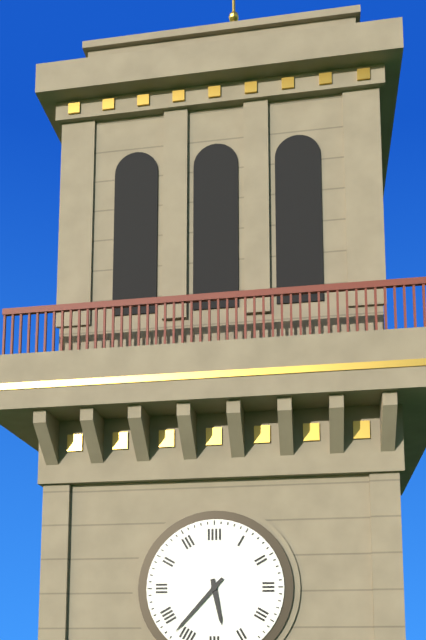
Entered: 5.37
